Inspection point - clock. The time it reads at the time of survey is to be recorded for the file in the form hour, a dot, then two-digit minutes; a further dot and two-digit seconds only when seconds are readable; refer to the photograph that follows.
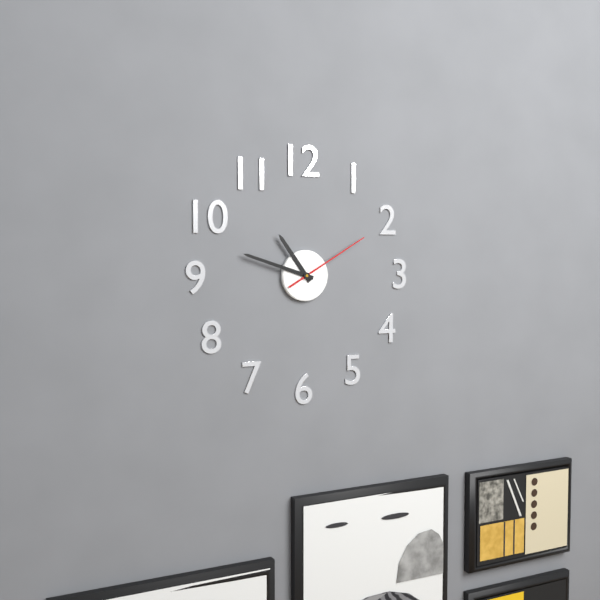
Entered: 10.48.10
